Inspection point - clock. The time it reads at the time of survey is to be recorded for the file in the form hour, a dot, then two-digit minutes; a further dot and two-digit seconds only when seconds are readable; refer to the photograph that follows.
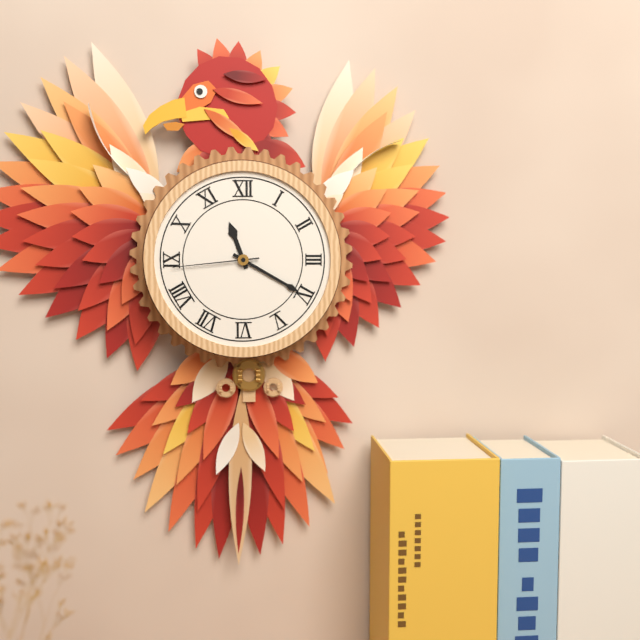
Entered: 11.20.44
